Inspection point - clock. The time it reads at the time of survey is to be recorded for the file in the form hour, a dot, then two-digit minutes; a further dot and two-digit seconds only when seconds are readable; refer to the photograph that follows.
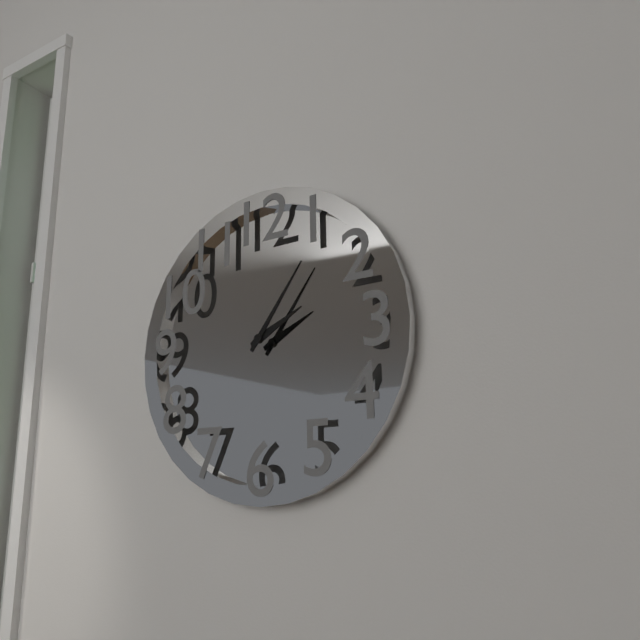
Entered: 2.06
